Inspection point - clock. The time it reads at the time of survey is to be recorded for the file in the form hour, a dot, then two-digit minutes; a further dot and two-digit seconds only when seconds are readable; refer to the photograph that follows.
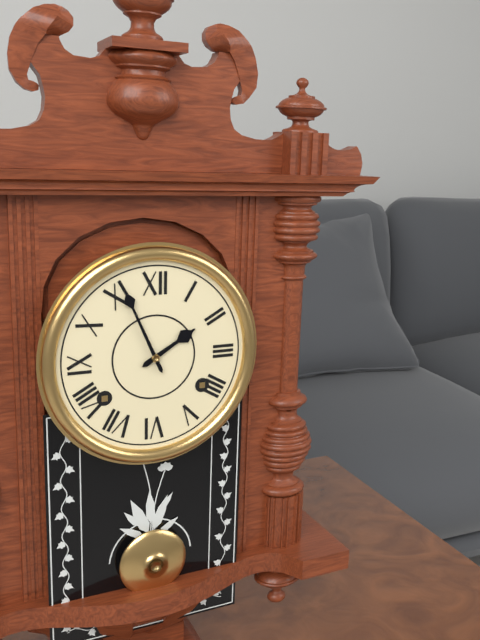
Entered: 1.56
